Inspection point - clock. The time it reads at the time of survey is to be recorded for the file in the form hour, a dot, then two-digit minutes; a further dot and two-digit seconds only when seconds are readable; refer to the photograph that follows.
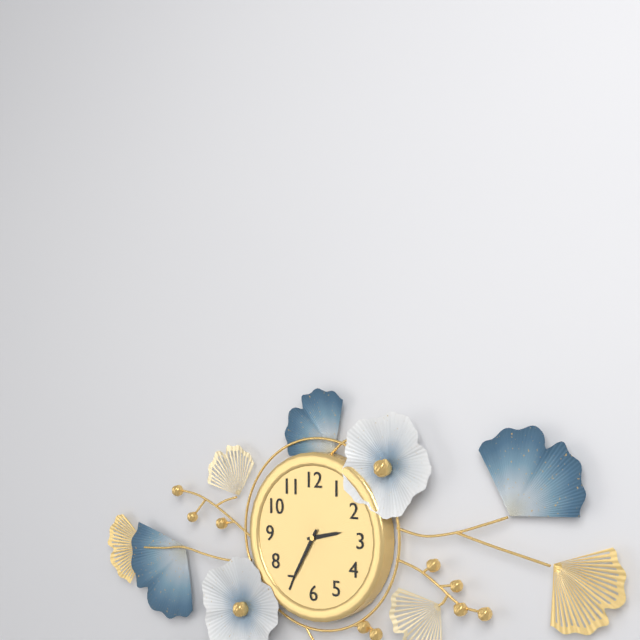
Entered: 2.35
